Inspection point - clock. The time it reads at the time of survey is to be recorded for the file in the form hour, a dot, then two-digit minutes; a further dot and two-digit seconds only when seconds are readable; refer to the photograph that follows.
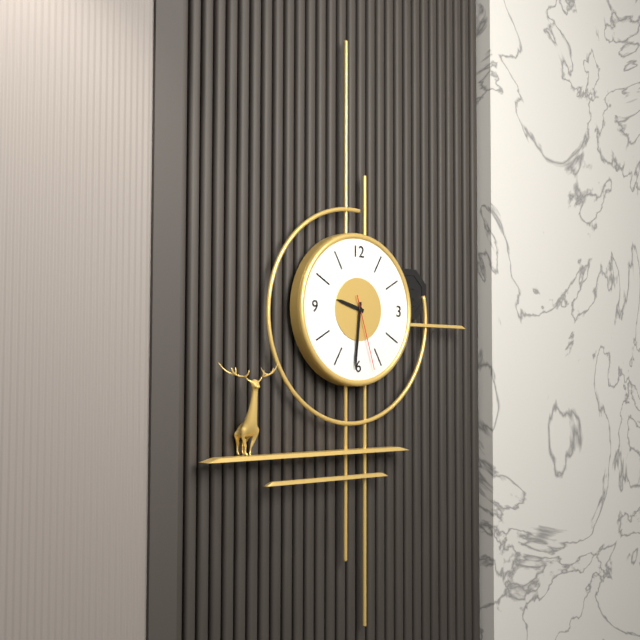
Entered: 9.31.27
